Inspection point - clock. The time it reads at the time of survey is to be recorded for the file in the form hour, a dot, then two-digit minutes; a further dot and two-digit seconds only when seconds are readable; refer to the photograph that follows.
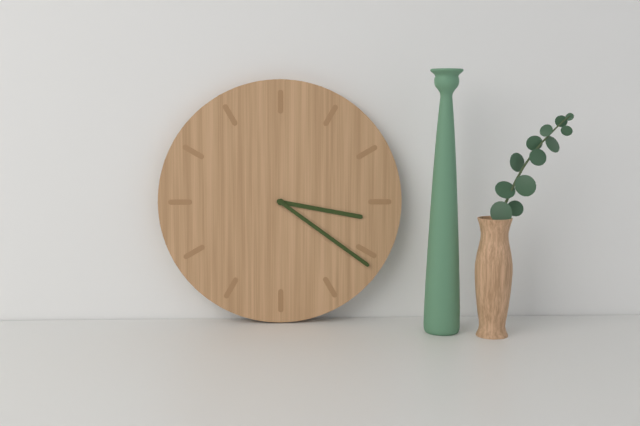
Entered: 3.21
